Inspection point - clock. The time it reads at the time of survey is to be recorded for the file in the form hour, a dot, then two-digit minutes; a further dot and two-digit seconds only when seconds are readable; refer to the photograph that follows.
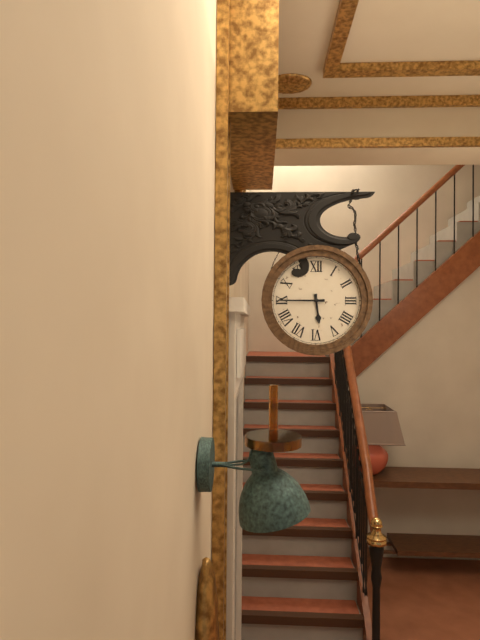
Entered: 5.45
